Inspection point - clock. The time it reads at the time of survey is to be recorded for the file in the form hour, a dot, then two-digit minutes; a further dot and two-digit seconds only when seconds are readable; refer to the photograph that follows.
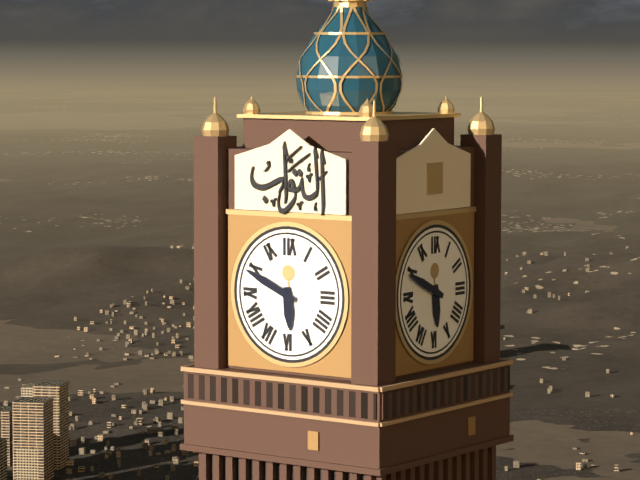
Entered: 5.49
